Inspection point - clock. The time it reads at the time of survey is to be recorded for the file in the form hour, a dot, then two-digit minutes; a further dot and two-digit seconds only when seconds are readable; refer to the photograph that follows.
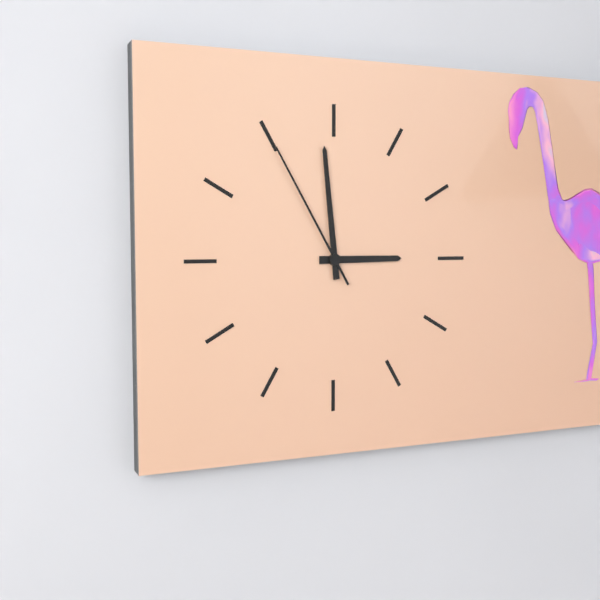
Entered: 2.59.55
